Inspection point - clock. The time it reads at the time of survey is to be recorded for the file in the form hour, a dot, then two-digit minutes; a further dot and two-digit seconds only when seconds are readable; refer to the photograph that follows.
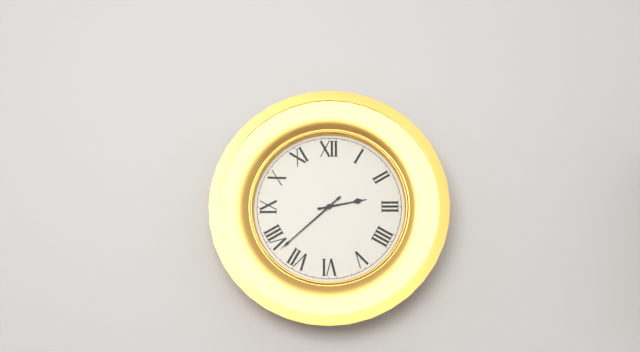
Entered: 2.38
